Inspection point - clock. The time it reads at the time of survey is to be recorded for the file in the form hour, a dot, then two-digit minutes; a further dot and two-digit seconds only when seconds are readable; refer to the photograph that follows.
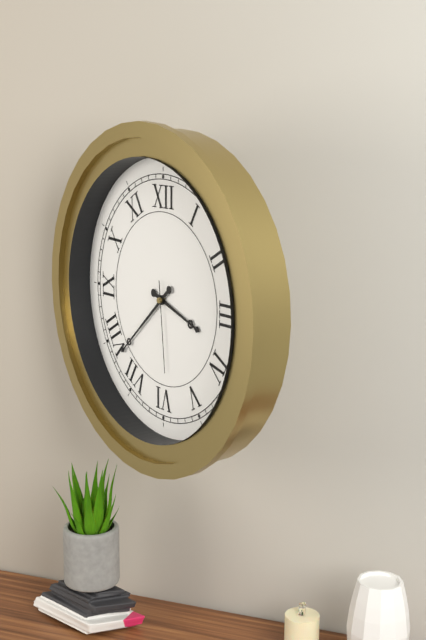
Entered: 3.38.29
